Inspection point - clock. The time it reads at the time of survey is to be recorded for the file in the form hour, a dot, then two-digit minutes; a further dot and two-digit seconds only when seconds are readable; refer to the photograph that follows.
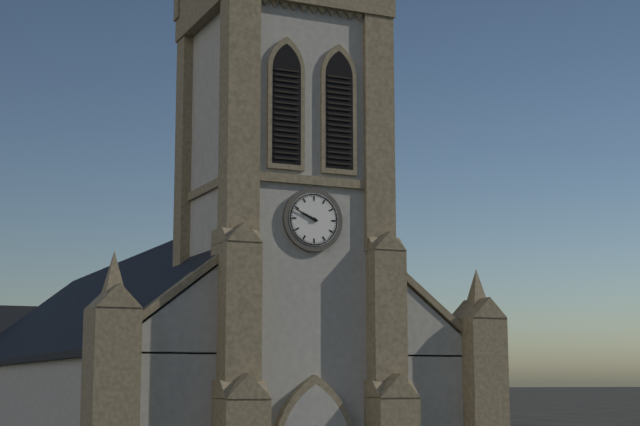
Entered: 9.49
